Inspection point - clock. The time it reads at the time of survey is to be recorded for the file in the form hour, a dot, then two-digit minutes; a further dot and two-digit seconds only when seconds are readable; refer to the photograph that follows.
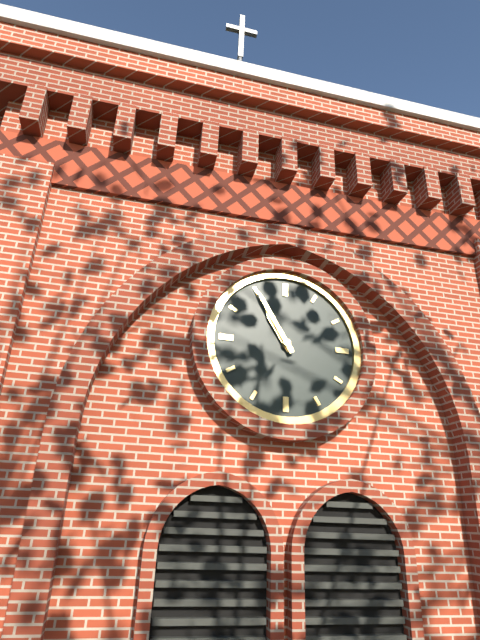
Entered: 10.55
